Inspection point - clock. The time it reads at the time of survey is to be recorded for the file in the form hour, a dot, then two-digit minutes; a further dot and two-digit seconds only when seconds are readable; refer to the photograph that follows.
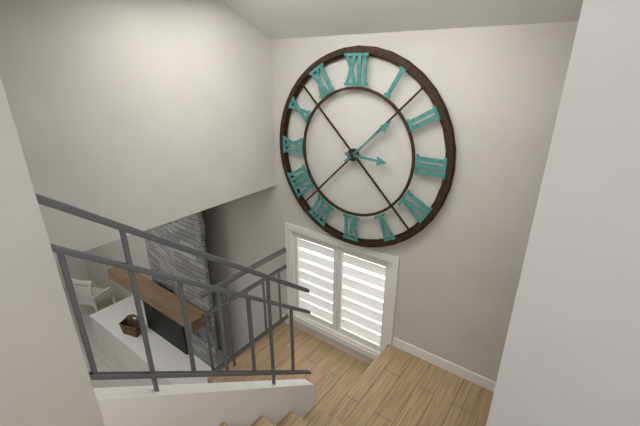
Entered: 3.08
